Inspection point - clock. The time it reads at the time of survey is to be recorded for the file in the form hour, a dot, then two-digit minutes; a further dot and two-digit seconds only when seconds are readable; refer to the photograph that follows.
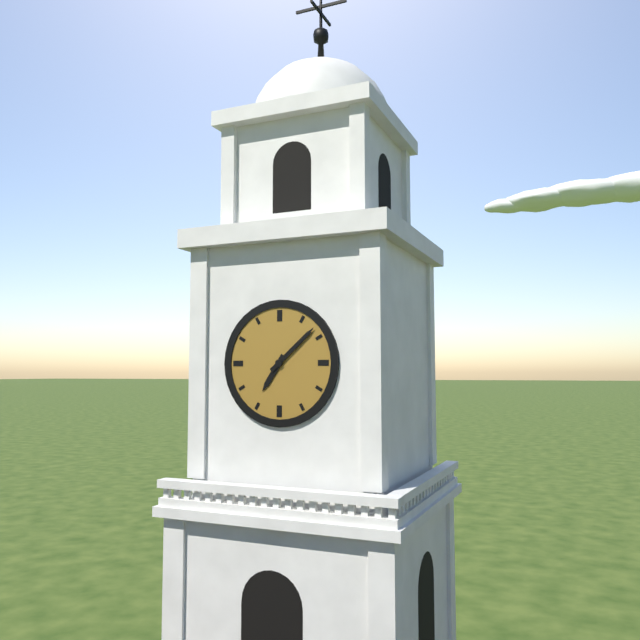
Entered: 7.08
